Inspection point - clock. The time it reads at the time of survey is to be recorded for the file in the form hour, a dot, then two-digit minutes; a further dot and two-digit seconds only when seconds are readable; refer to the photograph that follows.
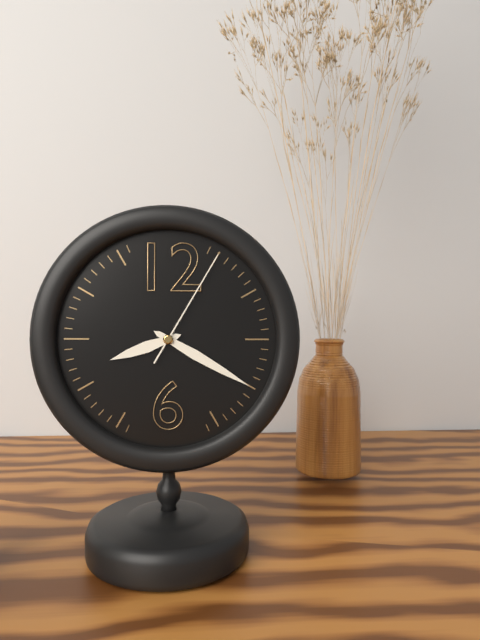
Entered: 8.20.05
